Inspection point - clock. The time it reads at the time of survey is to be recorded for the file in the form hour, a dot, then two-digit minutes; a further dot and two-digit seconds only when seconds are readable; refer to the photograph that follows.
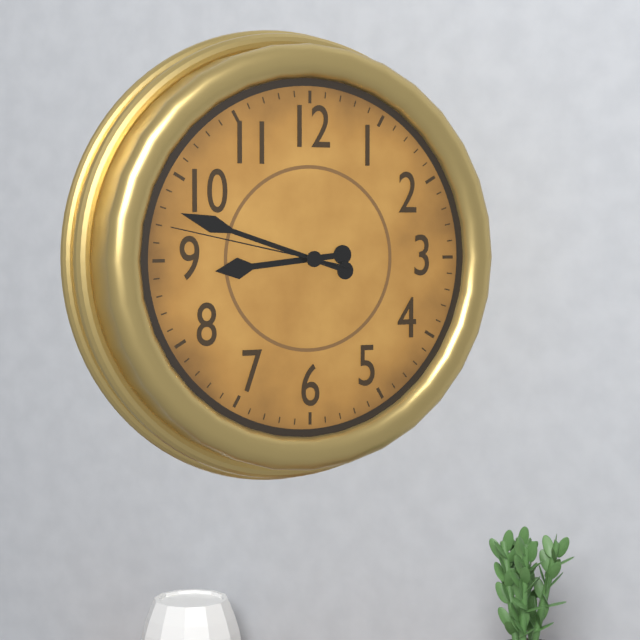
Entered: 8.48.47
